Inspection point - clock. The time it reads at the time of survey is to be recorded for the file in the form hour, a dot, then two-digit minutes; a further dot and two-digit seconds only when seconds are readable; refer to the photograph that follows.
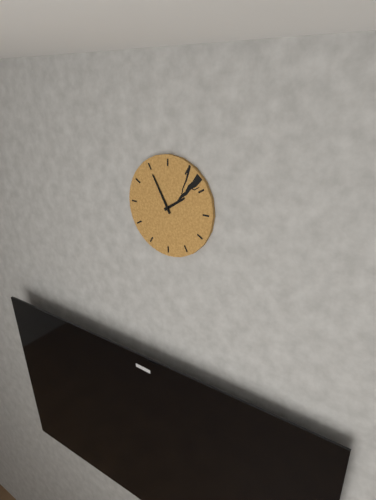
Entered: 1.55
